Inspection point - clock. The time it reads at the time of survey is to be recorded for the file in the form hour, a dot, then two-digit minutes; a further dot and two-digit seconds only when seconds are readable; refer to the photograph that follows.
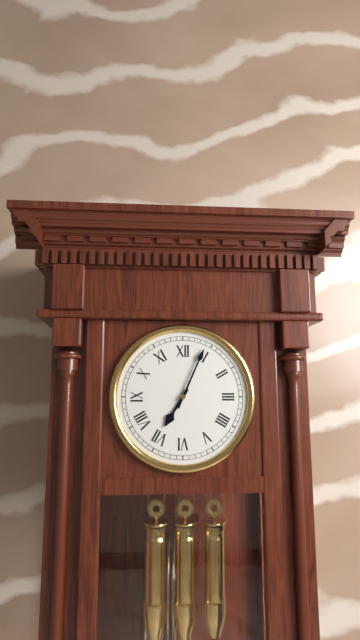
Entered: 7.04
